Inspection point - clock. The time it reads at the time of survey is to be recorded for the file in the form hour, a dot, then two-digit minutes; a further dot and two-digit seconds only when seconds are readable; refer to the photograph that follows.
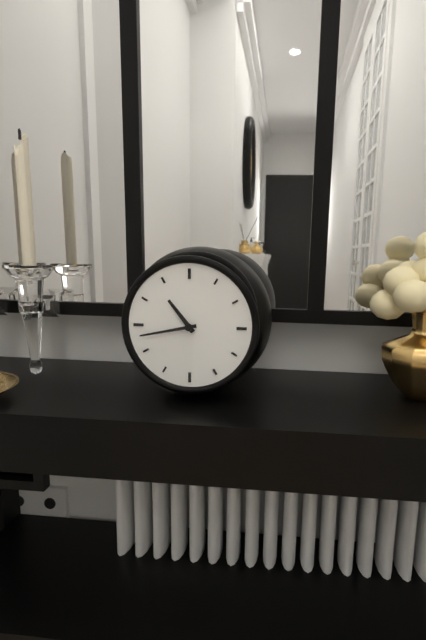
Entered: 10.43
